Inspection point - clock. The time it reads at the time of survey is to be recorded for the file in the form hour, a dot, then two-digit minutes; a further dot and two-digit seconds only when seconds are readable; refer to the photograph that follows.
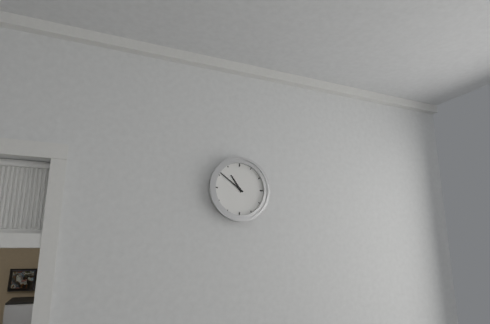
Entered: 10.51
